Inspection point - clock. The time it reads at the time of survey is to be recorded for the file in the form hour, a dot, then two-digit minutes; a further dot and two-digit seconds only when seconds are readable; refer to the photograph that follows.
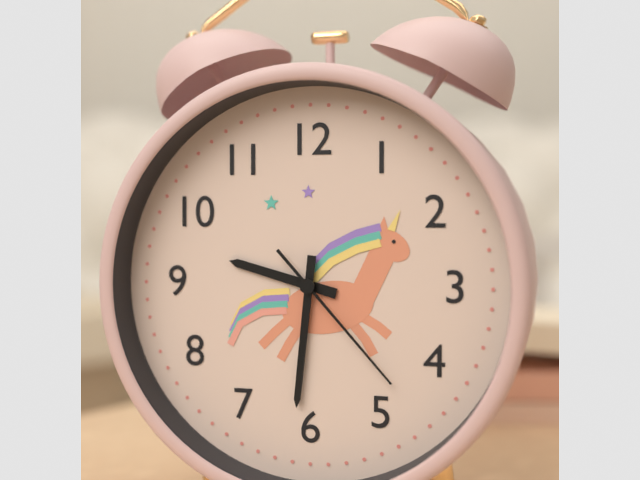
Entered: 9.31.23
